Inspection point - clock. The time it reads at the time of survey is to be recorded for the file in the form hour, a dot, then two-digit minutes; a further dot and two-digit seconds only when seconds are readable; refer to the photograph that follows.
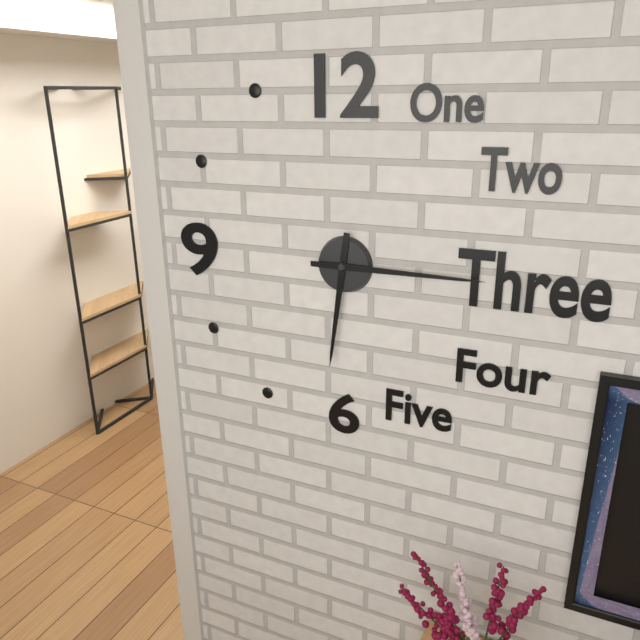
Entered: 6.15
